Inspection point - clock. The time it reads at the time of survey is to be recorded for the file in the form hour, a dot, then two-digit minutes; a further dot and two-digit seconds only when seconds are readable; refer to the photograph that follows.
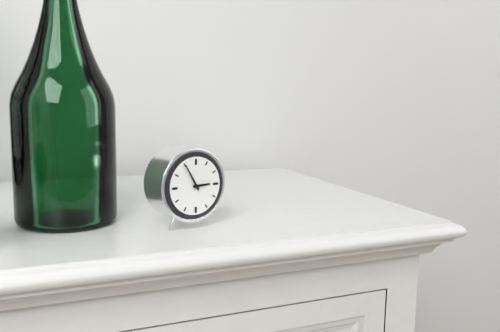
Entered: 2.55
